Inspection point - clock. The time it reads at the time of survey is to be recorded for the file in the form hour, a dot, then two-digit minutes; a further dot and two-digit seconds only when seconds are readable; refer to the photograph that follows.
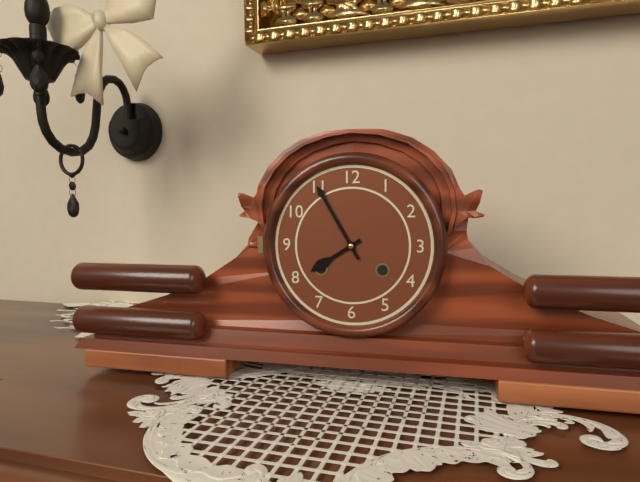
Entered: 7.55
